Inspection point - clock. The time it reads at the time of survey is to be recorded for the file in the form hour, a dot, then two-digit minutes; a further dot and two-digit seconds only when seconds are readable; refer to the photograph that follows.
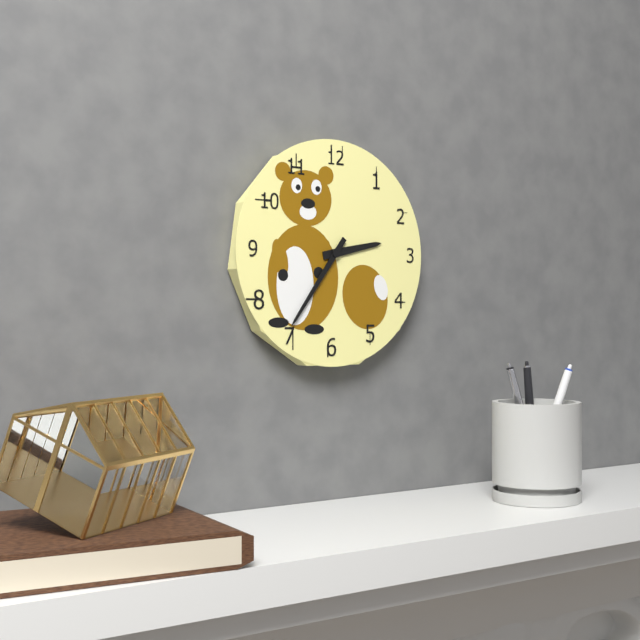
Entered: 2.36
